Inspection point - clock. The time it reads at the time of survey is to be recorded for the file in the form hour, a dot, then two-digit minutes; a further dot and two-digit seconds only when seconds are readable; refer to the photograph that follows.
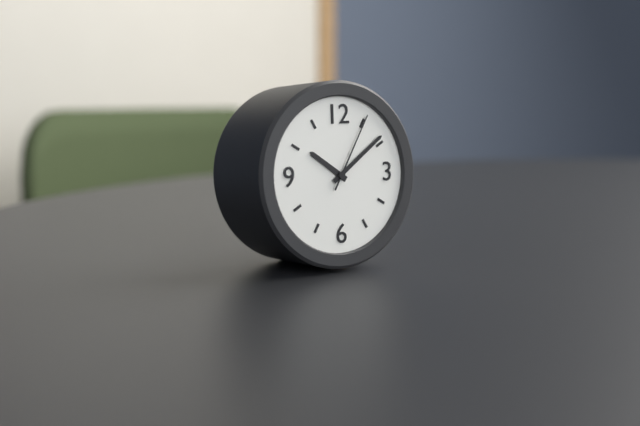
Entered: 10.09.05
